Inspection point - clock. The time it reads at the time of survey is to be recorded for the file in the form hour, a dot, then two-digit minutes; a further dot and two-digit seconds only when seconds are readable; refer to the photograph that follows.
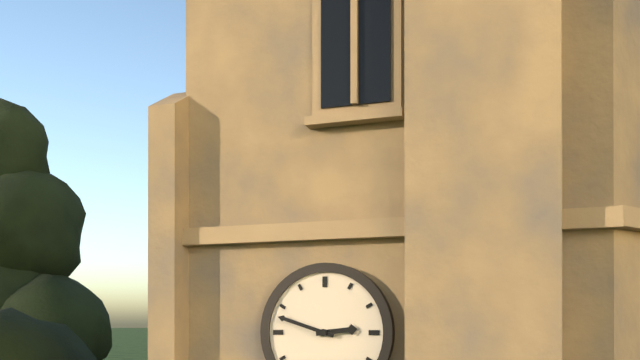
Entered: 2.48
